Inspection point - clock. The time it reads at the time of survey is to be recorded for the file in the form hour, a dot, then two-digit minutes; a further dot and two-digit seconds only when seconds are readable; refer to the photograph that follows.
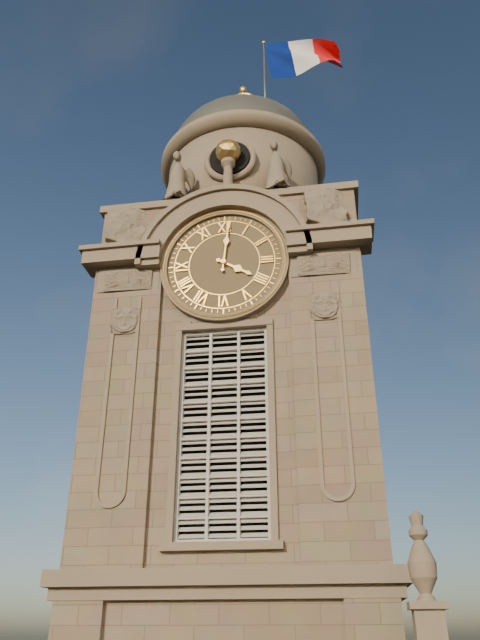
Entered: 4.01
